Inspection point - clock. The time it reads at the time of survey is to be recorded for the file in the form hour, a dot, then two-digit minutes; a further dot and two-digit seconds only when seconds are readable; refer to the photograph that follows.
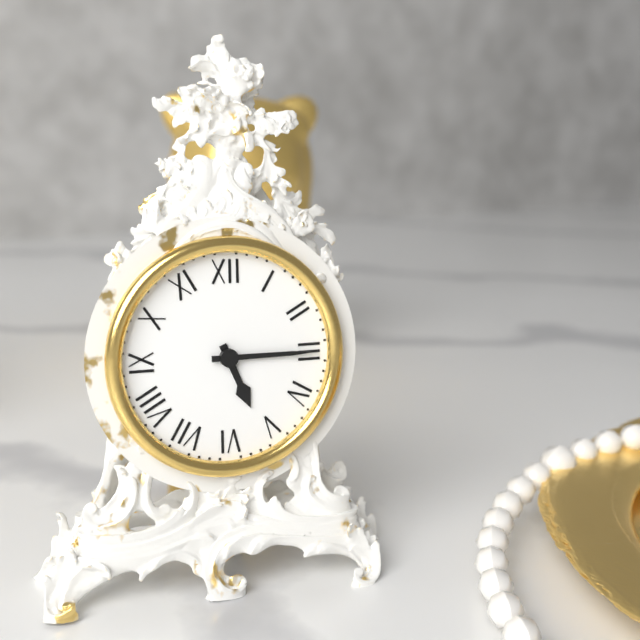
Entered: 5.15
